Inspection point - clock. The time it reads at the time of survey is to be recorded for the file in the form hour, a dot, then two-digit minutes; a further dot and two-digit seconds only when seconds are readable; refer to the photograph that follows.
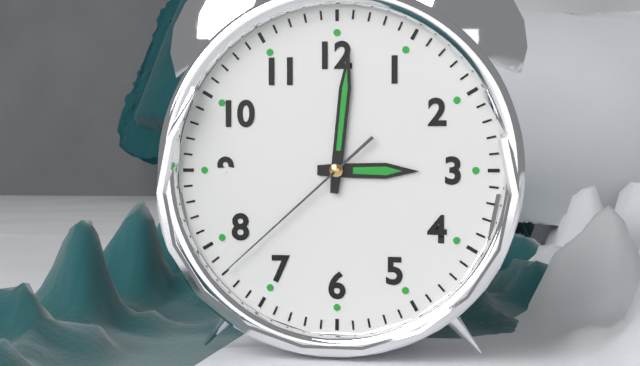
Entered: 3.01.38
